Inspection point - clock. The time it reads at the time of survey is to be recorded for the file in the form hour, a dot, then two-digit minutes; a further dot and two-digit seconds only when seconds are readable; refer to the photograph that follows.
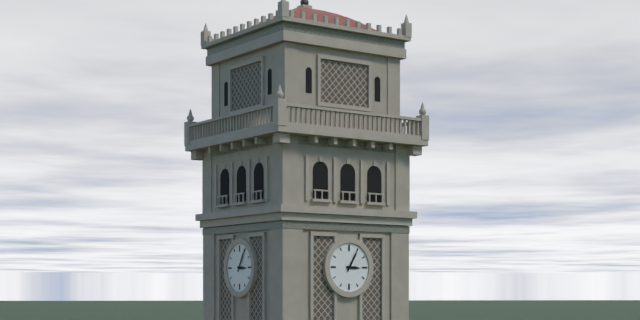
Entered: 3.05
